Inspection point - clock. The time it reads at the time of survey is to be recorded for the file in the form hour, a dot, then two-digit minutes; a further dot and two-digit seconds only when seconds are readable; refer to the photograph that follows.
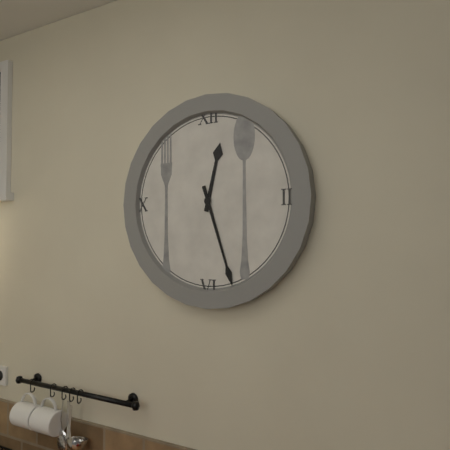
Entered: 12.27
